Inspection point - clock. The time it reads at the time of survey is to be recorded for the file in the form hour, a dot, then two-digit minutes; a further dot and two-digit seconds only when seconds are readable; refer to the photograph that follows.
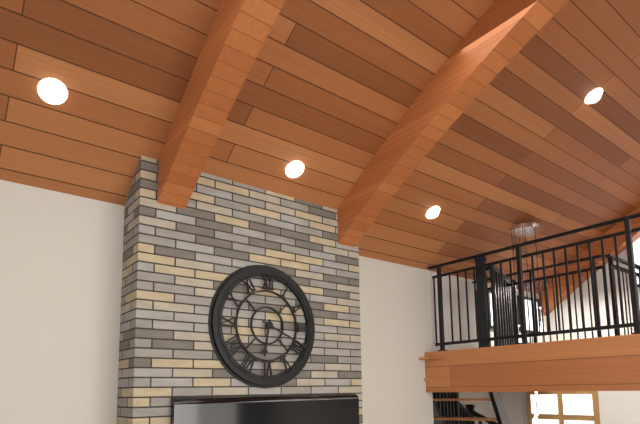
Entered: 6.19
